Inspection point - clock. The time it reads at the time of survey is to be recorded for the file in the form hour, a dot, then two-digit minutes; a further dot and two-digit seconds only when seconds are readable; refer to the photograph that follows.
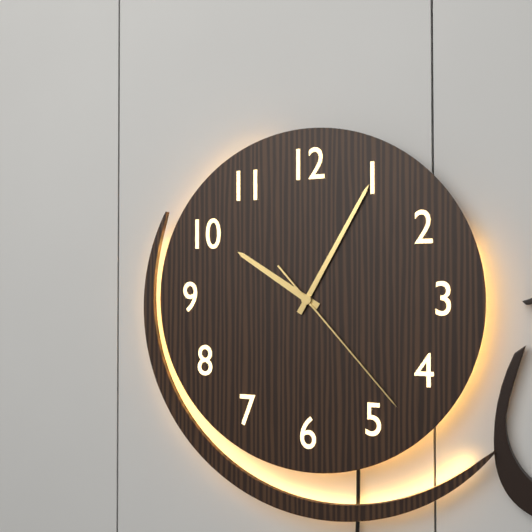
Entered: 10.05.23
